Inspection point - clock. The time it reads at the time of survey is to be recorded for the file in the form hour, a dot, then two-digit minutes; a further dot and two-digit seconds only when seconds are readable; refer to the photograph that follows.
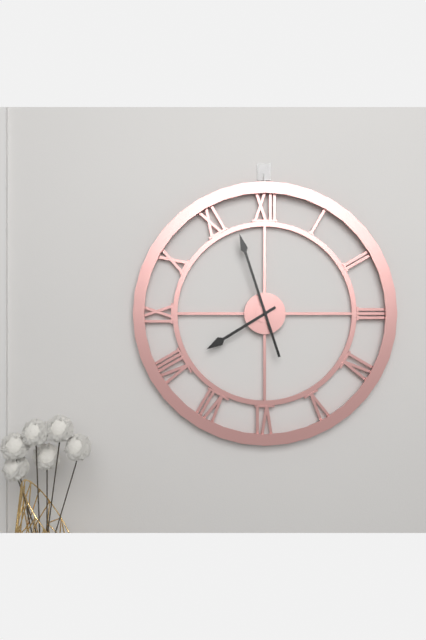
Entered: 7.57
